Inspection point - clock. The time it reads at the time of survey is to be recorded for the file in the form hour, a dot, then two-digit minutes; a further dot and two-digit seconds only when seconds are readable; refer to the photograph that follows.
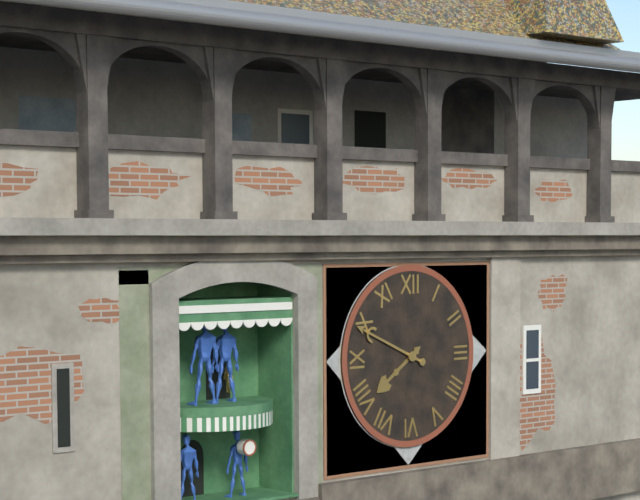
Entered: 7.49
